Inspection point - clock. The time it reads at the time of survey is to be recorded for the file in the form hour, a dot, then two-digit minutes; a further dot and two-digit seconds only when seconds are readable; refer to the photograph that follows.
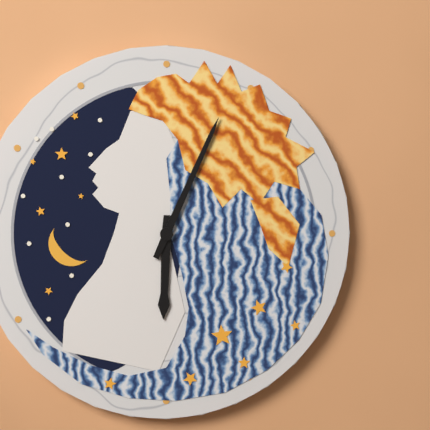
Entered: 6.04
